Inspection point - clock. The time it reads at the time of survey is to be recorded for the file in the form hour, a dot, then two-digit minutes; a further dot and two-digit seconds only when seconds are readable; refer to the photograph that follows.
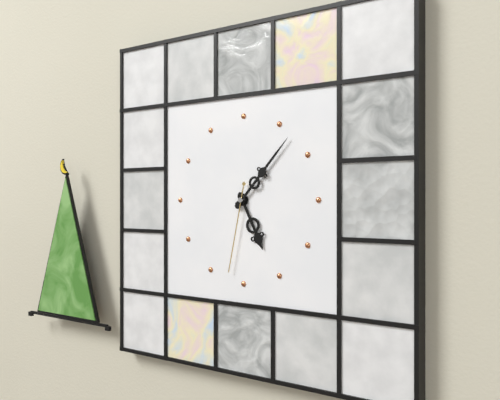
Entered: 5.07.32
